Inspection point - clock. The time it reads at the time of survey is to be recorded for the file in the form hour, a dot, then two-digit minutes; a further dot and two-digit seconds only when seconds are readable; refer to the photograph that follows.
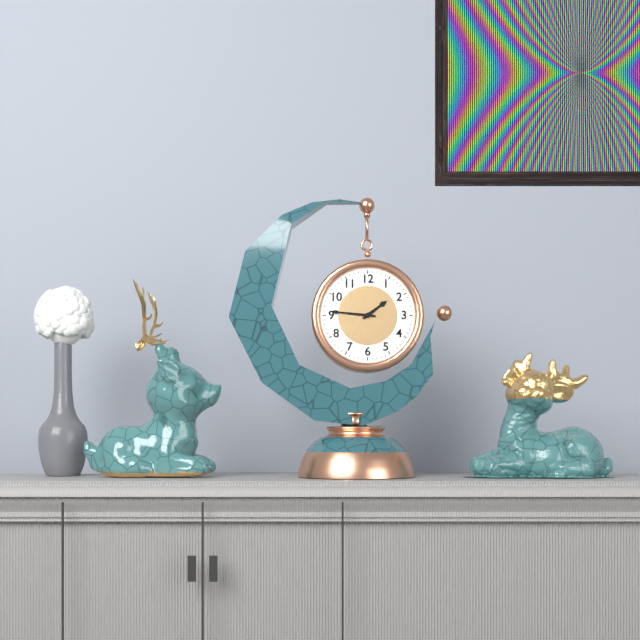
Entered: 1.46
